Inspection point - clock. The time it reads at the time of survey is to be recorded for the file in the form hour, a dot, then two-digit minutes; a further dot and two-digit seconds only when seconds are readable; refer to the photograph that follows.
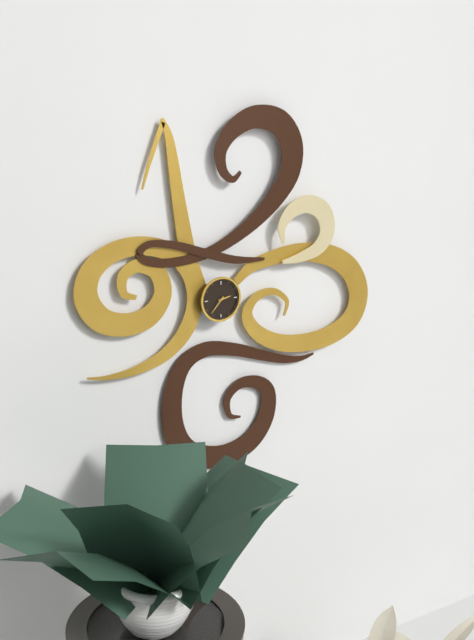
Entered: 2.37
